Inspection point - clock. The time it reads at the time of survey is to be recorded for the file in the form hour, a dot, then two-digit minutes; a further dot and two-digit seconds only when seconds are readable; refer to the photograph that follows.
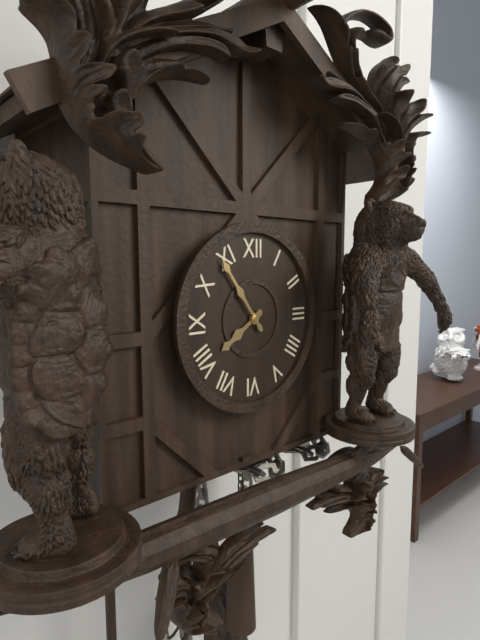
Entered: 7.54
